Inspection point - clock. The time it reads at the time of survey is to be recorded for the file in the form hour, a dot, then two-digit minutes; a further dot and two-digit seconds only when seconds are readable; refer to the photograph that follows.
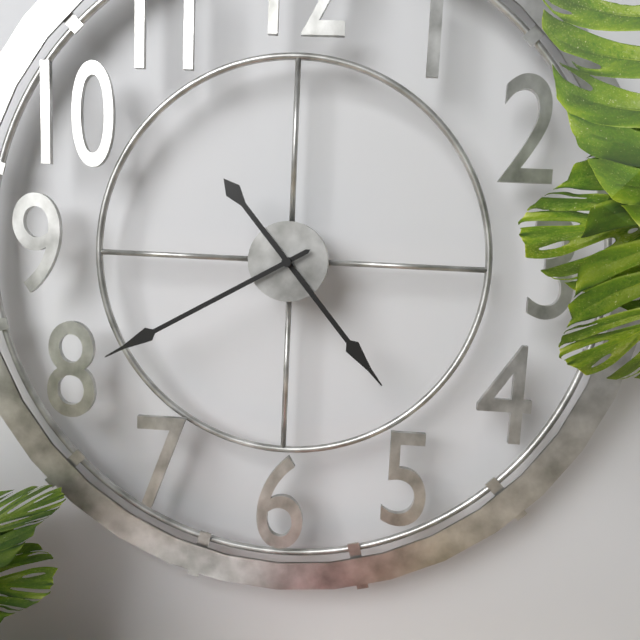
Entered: 4.40
